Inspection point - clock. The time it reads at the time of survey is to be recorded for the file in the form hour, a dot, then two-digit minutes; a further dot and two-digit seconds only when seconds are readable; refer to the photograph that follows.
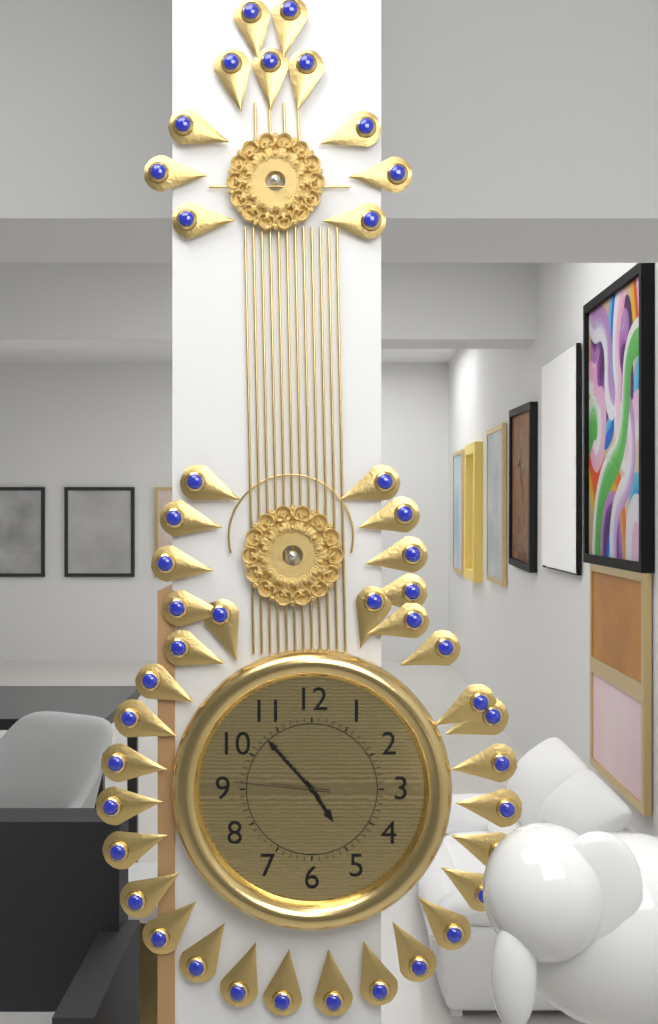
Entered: 4.53.46
